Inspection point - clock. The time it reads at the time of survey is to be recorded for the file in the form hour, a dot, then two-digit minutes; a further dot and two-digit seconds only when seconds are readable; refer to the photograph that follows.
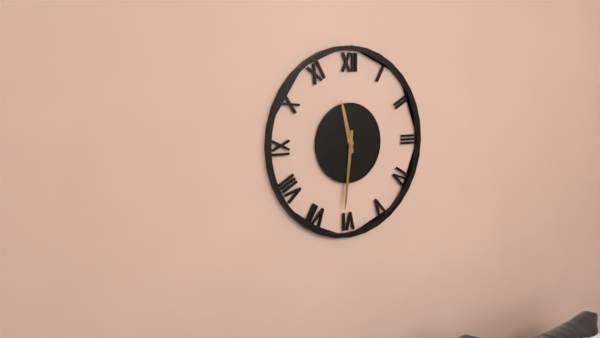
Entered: 11.31
